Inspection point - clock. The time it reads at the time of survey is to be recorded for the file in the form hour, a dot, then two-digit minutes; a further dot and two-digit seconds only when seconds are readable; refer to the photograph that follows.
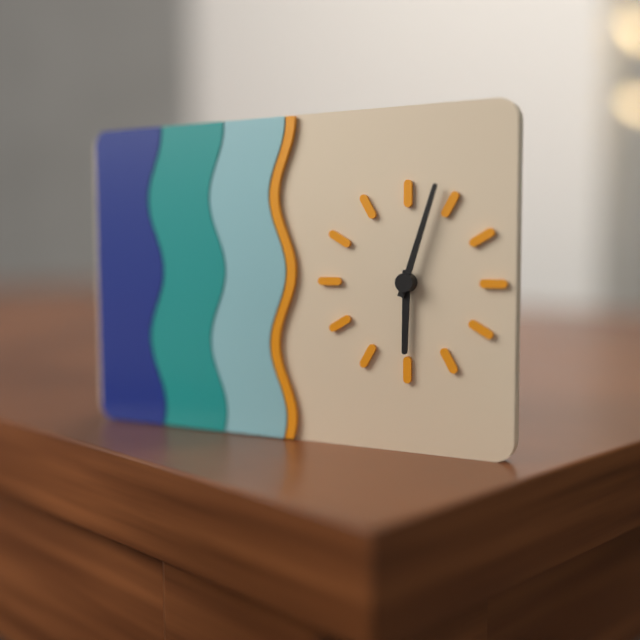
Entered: 6.03
